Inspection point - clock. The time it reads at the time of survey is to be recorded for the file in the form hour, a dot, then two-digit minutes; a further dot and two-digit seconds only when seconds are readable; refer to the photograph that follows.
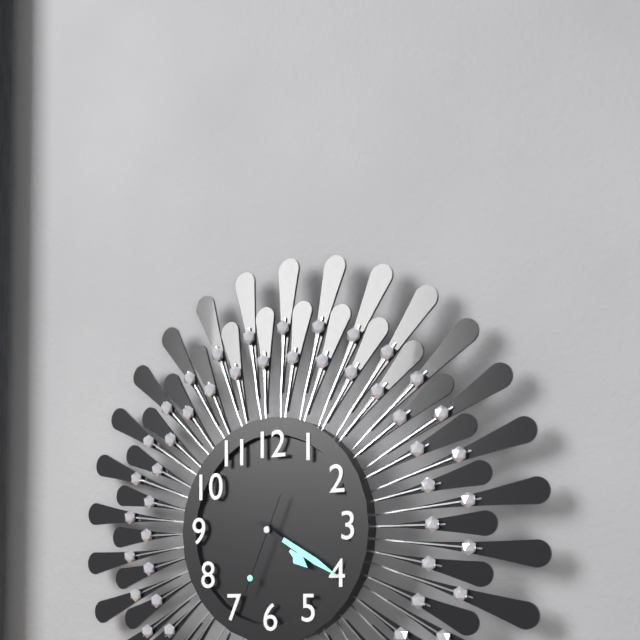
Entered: 4.20.34
